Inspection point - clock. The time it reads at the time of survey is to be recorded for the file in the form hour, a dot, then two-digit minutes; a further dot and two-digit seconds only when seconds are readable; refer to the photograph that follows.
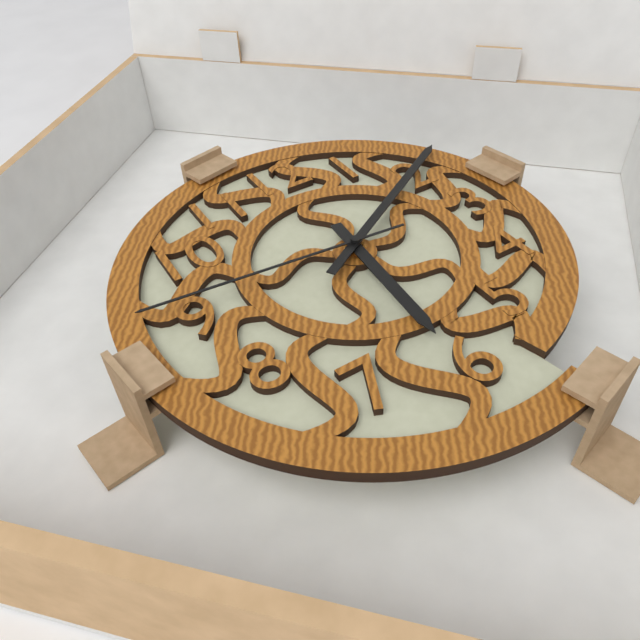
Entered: 6.10.46
